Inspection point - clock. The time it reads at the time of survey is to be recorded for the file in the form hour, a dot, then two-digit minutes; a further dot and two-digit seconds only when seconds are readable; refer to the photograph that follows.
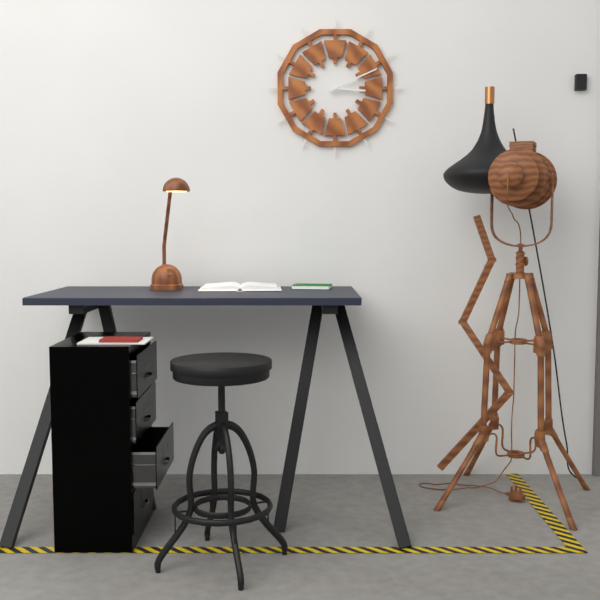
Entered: 3.11
